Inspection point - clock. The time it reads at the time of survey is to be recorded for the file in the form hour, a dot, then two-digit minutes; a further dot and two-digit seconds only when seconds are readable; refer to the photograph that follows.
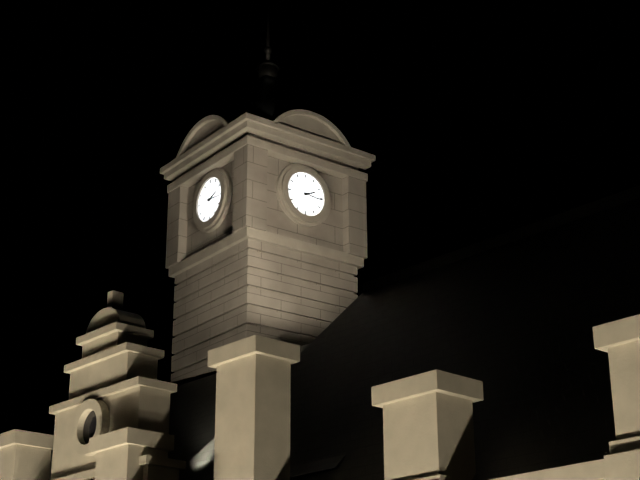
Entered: 2.16
